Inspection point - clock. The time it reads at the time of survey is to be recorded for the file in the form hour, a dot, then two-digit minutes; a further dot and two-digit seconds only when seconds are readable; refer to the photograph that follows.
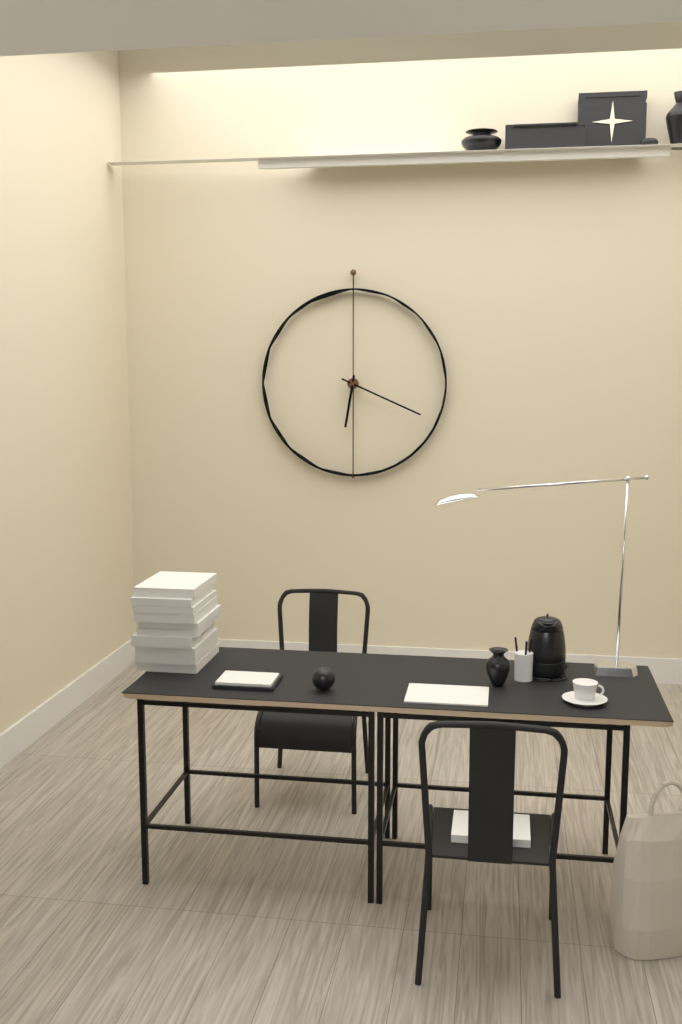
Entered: 6.19
